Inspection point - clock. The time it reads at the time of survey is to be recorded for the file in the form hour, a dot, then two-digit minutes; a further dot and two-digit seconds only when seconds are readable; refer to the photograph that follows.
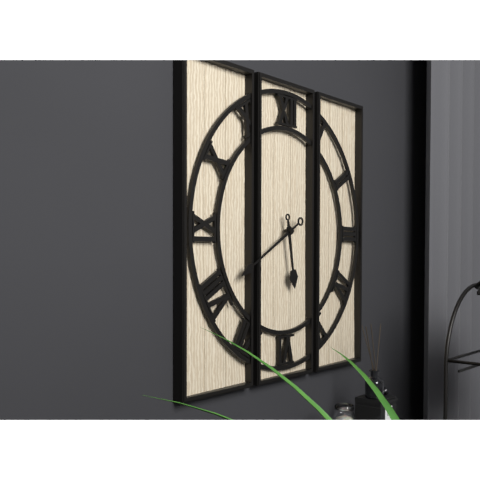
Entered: 5.40
